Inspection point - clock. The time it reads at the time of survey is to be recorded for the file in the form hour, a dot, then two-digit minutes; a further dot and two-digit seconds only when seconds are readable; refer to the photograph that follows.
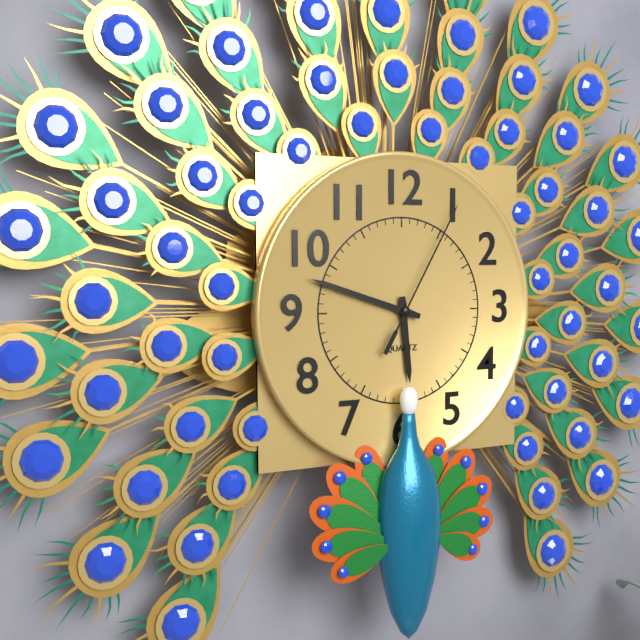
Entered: 5.48.05
